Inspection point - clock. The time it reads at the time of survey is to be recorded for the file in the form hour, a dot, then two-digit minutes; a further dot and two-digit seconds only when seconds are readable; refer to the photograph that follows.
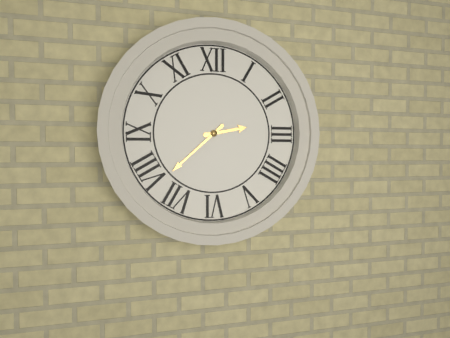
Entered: 2.38
